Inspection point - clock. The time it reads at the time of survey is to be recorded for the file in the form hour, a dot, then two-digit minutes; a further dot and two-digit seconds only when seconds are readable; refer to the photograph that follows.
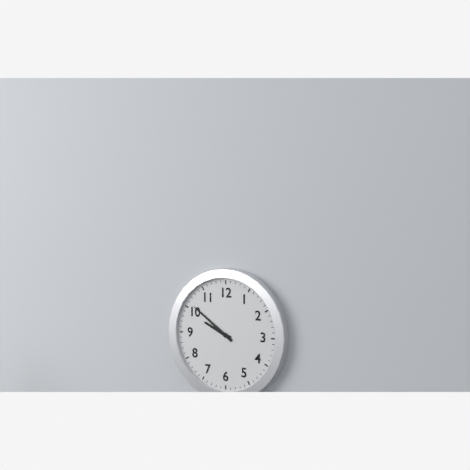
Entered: 9.51
